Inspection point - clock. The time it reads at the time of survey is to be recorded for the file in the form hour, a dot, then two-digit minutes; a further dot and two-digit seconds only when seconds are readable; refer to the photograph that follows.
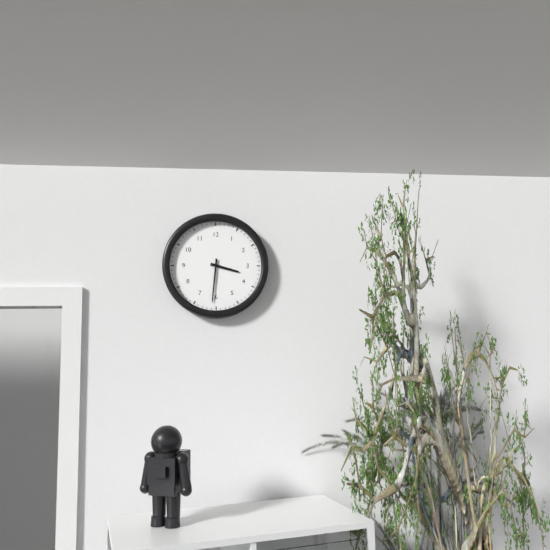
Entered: 3.31
